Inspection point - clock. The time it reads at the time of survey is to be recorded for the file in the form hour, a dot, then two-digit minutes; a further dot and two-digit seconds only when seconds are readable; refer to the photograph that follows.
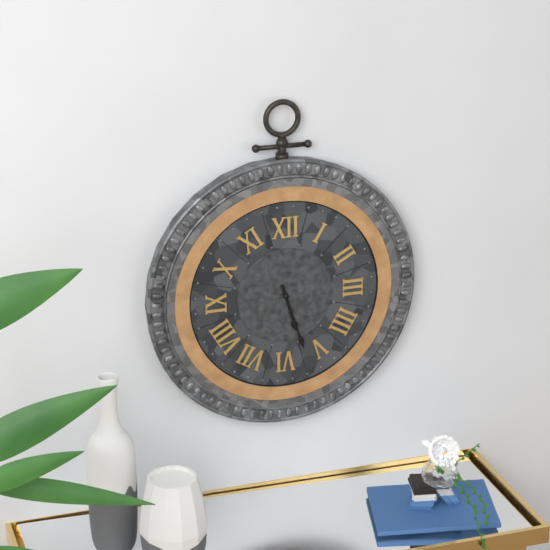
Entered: 5.27
